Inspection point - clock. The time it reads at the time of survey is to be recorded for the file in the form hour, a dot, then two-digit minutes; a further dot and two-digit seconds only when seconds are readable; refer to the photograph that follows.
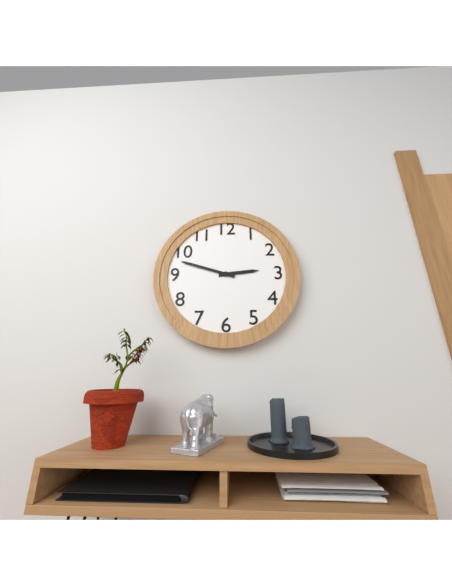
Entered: 2.48
